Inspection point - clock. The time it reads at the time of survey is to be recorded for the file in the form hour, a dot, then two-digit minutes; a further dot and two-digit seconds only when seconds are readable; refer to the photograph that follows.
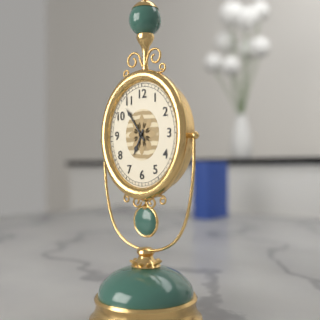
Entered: 6.54
